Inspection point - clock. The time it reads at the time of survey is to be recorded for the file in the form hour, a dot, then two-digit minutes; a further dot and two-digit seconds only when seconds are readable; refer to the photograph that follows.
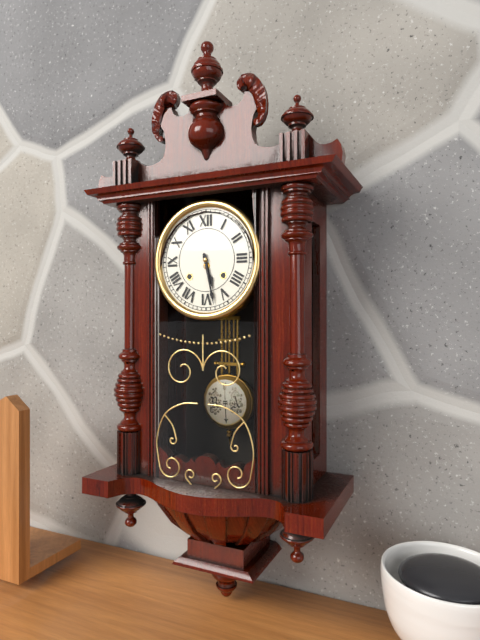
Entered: 5.28
